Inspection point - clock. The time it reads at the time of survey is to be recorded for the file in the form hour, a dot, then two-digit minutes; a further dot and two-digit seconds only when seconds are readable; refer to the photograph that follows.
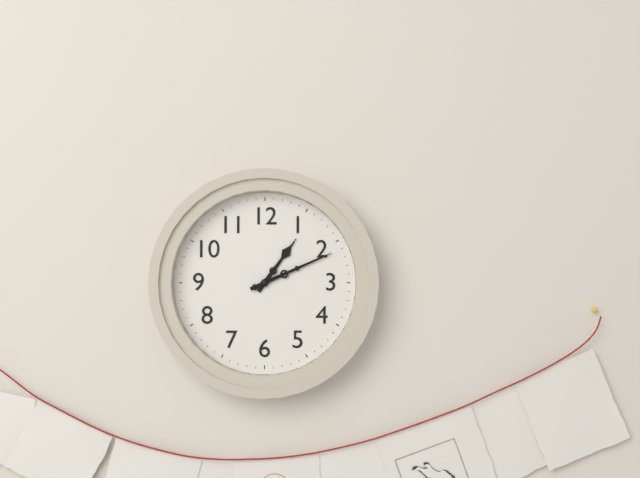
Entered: 1.11
